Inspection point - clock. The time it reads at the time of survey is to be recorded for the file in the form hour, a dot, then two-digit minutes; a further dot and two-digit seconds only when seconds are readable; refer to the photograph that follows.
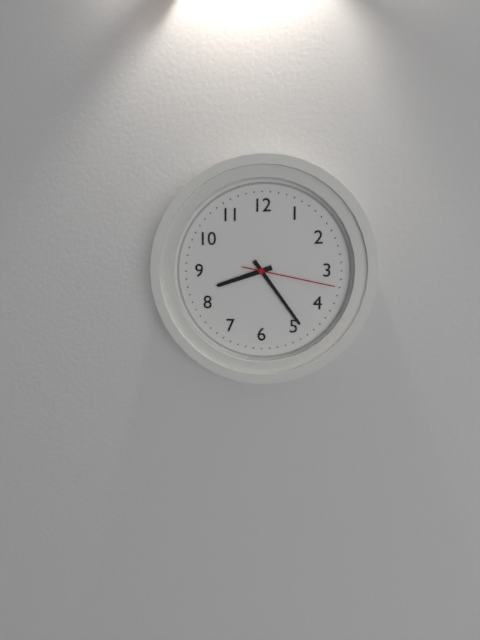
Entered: 8.24.17
